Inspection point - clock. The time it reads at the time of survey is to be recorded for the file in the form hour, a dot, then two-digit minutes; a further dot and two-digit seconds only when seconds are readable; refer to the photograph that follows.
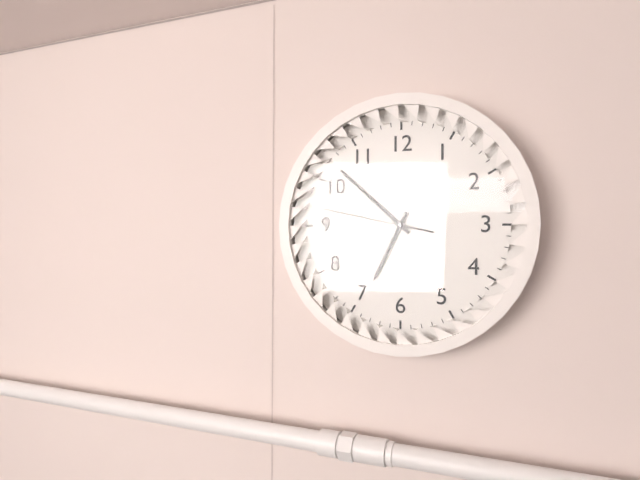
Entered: 6.52.47
